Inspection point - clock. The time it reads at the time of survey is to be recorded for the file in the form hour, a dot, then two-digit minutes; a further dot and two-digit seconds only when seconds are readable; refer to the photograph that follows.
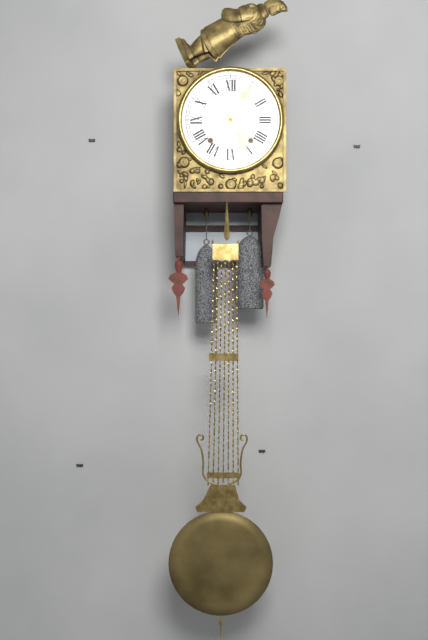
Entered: 5.05
